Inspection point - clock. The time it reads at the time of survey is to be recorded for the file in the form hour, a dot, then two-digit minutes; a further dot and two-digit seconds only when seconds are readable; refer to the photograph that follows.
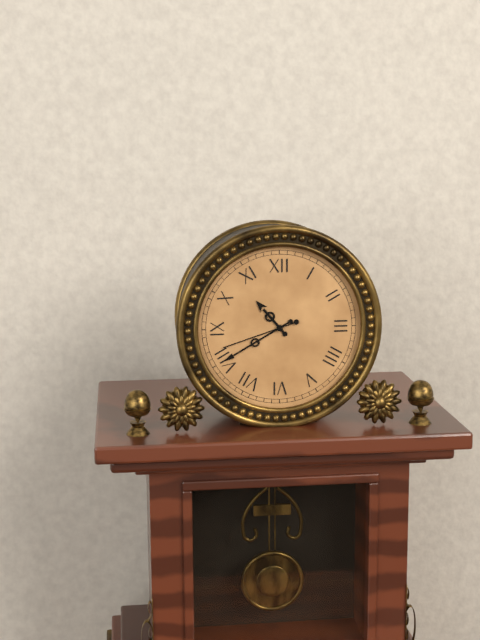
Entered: 10.40.42
